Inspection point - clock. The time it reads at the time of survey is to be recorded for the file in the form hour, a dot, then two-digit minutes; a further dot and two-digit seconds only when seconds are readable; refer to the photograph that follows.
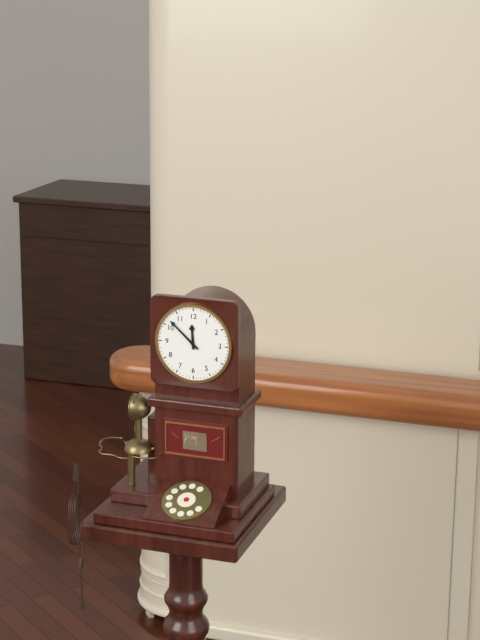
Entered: 11.52
